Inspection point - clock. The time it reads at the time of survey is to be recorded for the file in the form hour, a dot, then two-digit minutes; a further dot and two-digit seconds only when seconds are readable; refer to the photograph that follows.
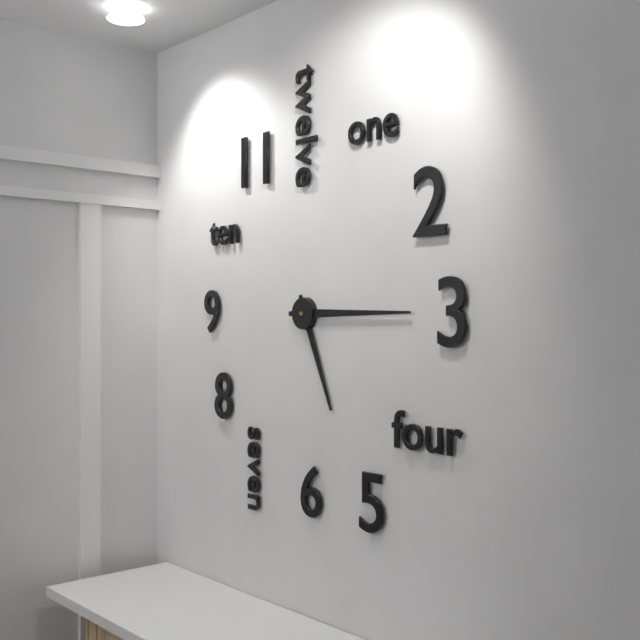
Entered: 5.15
